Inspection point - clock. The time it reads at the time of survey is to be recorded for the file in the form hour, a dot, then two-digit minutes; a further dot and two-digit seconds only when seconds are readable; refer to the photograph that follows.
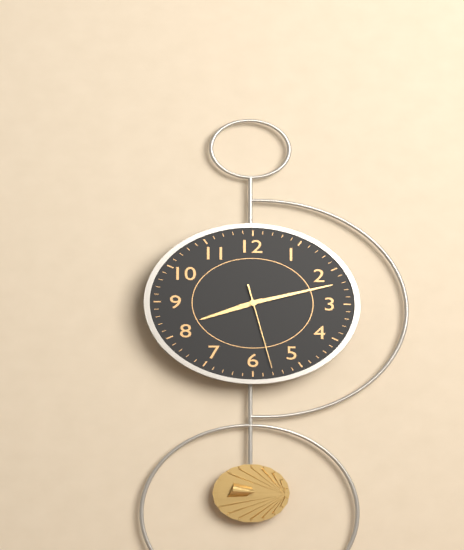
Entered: 8.12.28
